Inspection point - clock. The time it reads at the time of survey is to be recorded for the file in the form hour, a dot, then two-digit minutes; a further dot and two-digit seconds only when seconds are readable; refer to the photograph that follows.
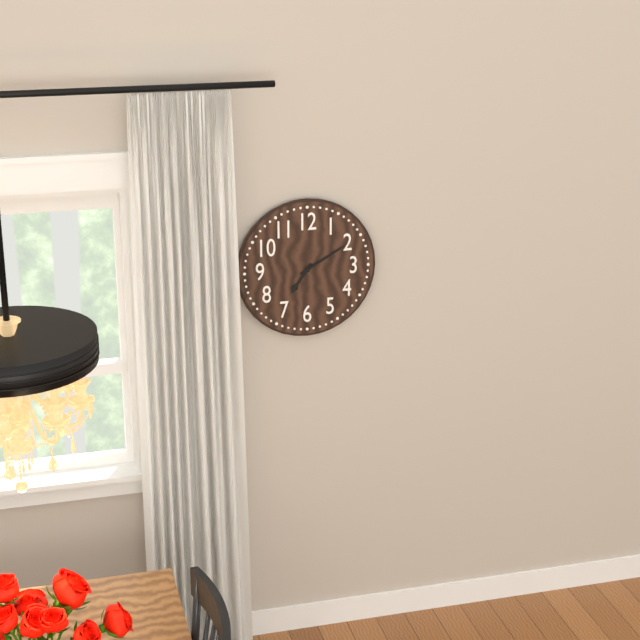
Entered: 7.10
